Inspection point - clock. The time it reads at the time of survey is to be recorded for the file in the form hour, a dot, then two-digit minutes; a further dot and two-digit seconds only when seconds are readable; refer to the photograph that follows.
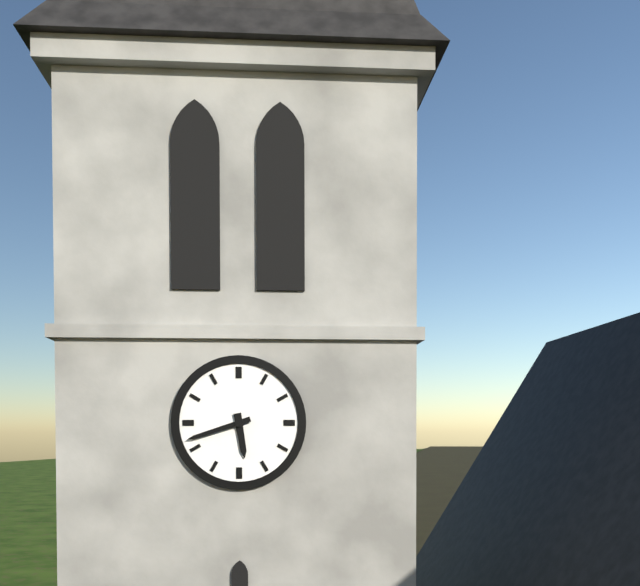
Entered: 5.42
